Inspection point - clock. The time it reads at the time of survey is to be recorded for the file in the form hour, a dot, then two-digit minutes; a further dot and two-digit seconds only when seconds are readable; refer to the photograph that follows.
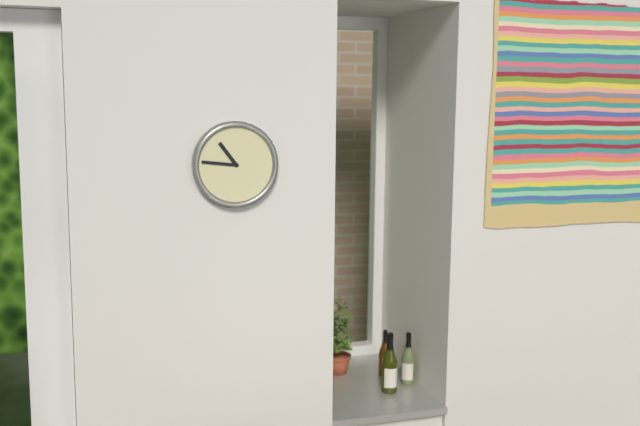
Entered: 10.46
